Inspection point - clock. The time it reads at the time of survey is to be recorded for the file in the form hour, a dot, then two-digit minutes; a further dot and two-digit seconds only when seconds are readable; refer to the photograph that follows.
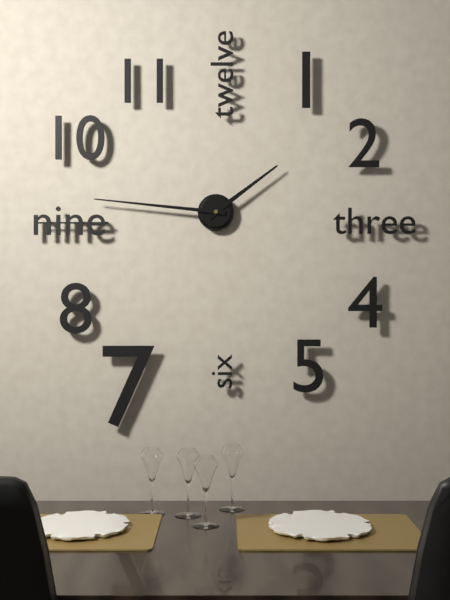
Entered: 1.46
